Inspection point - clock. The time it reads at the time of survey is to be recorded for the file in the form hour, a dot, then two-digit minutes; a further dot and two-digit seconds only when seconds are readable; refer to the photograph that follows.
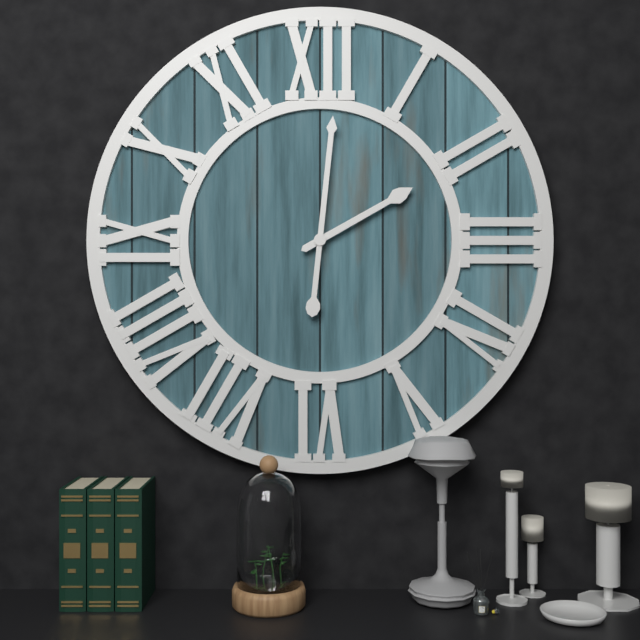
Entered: 2.01
